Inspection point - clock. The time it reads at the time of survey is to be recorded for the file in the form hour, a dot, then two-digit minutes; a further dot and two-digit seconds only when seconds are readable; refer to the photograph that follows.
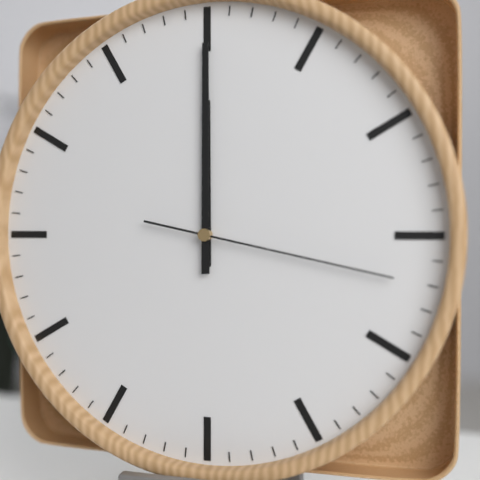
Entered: 12.00.17
